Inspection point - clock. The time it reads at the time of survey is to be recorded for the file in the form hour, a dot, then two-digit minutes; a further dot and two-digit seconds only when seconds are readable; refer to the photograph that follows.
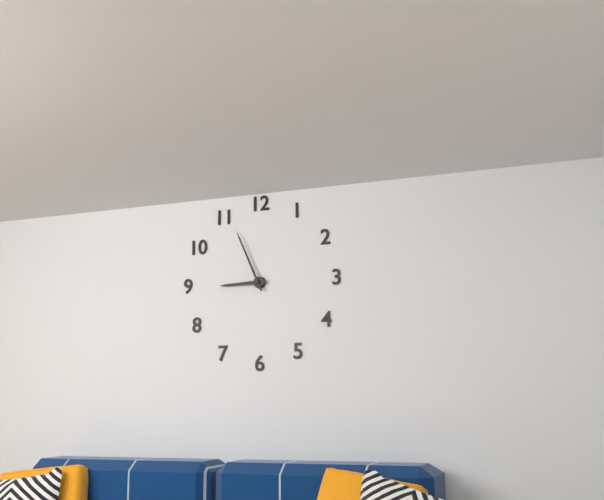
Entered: 8.56
